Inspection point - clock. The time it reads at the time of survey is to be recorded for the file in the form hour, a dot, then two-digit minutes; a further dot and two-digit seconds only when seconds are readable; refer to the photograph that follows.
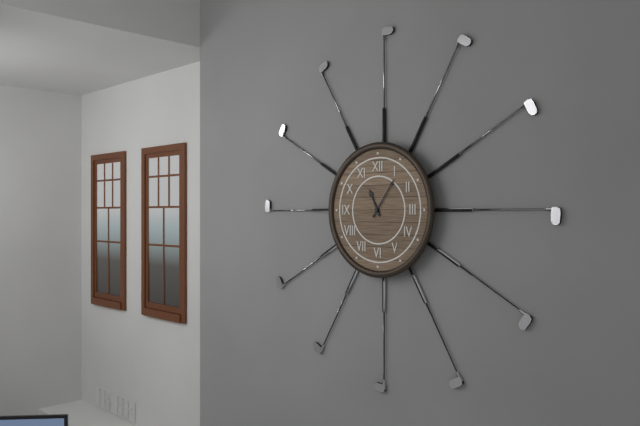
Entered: 11.06
